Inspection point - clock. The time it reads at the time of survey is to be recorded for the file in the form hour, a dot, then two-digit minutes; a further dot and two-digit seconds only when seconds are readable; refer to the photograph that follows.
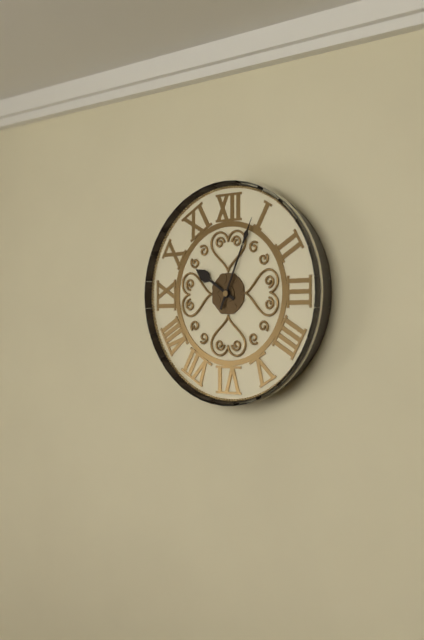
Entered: 10.04
